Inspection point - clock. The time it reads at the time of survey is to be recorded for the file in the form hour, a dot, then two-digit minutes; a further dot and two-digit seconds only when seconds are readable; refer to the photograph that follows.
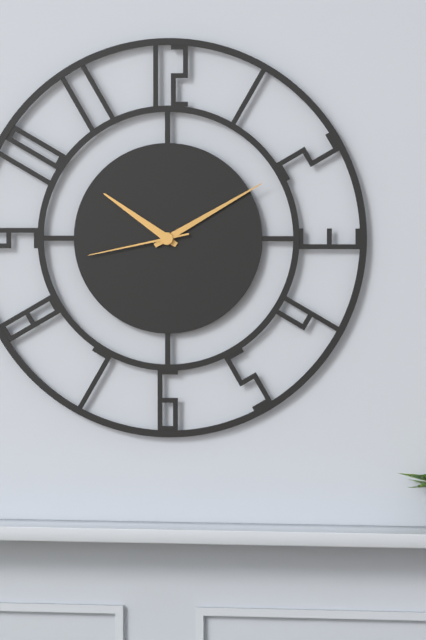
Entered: 10.10.43
